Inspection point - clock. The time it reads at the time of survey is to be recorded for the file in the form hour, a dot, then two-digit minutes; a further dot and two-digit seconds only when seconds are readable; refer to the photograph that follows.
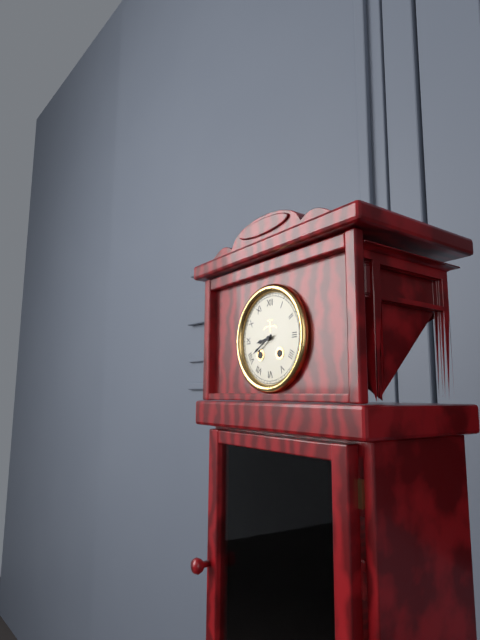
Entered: 8.40
